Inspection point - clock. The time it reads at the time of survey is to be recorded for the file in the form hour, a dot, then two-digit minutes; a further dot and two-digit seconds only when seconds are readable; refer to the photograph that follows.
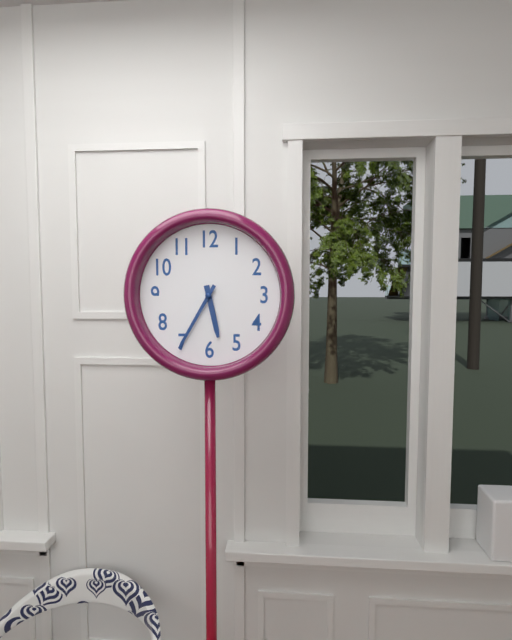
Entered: 5.35
